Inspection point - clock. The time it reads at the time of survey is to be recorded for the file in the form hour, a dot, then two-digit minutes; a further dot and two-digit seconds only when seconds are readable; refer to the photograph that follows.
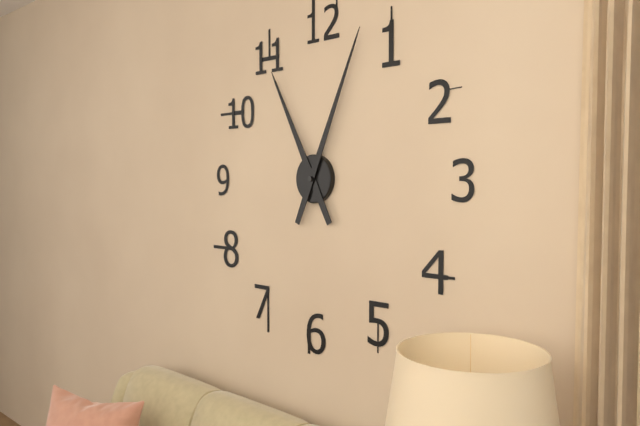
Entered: 11.04
